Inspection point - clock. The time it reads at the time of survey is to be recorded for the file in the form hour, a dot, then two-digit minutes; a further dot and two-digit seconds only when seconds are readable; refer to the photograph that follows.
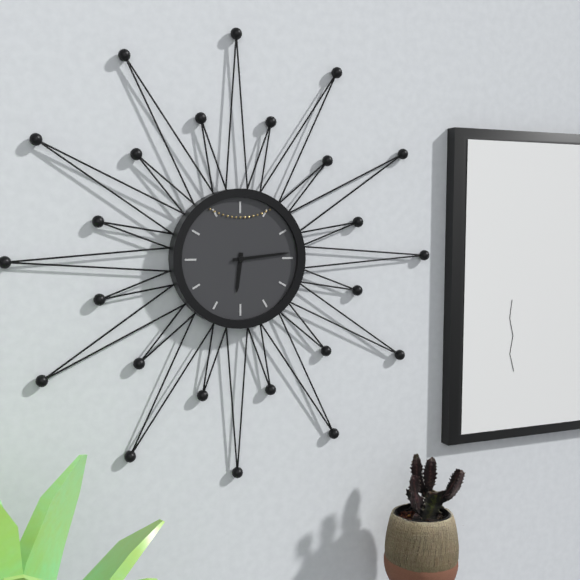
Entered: 6.14
